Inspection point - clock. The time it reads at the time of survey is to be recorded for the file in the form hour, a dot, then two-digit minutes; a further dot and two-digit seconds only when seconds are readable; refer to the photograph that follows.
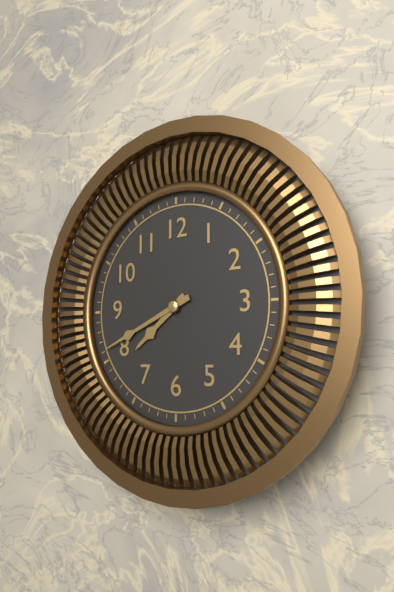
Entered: 7.41
